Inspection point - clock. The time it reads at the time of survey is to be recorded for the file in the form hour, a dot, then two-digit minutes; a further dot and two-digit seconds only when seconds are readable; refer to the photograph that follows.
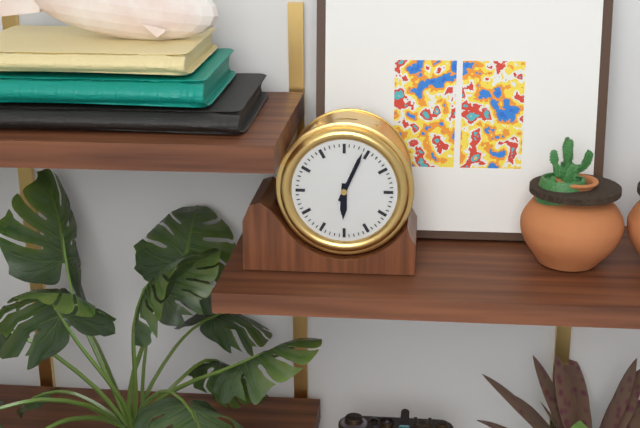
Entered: 6.04
